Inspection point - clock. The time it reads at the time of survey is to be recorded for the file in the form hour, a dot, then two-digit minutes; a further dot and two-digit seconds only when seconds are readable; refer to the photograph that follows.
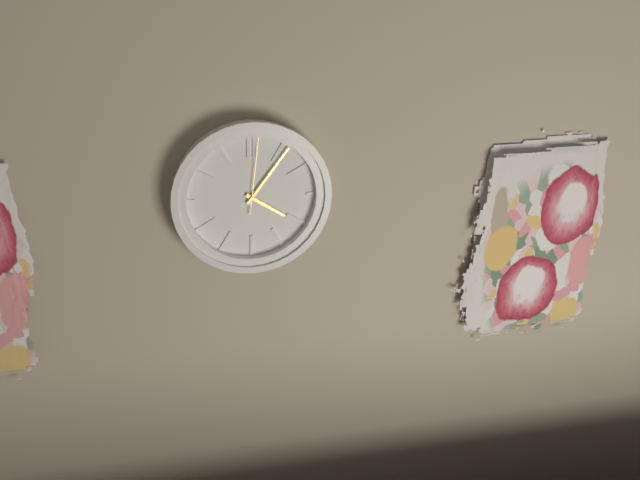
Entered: 4.06.01
